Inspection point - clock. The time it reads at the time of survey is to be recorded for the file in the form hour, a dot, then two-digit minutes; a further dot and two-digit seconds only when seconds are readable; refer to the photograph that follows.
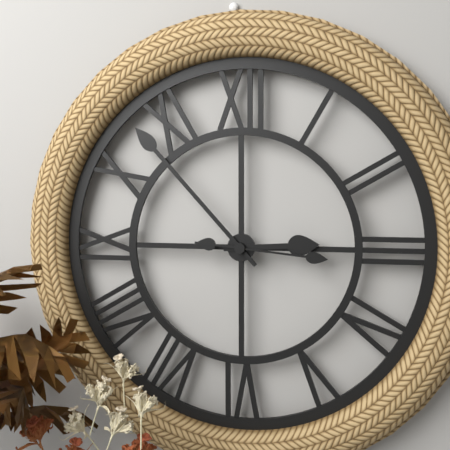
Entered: 2.53.16
